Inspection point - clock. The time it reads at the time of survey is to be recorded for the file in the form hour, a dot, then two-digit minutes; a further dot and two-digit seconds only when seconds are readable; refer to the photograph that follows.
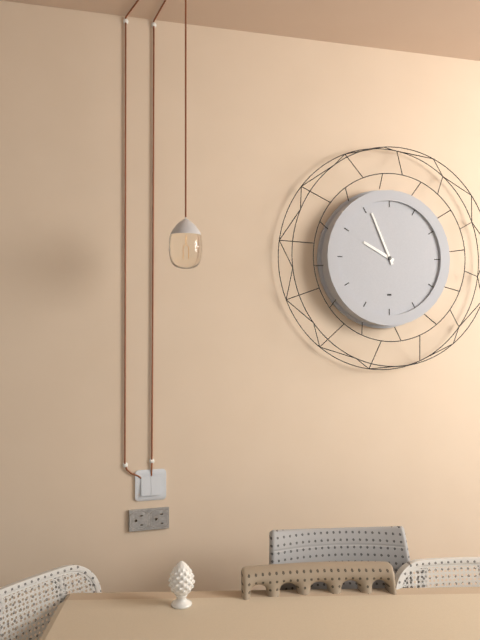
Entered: 9.56
